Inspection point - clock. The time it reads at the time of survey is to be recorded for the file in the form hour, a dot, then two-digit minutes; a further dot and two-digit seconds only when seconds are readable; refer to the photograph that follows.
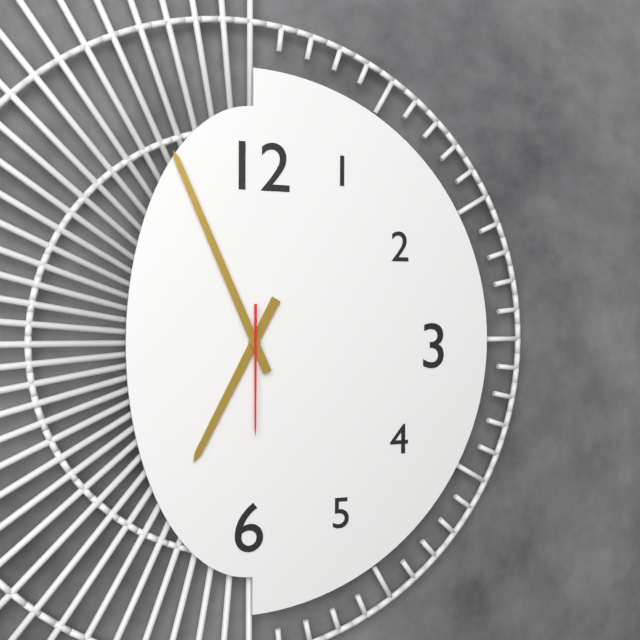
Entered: 6.56.30
